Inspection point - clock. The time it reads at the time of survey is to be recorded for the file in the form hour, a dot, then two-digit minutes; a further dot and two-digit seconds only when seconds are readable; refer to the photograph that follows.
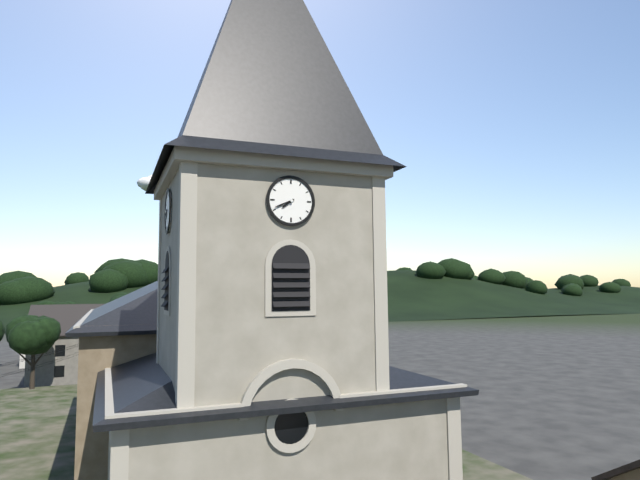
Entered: 7.41
